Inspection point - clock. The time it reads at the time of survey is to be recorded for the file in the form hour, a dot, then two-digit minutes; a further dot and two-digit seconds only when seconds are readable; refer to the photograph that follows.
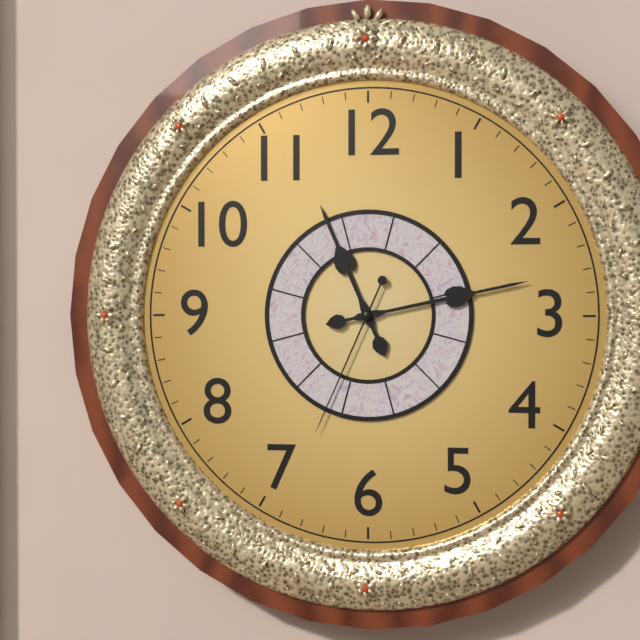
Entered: 11.13.34
